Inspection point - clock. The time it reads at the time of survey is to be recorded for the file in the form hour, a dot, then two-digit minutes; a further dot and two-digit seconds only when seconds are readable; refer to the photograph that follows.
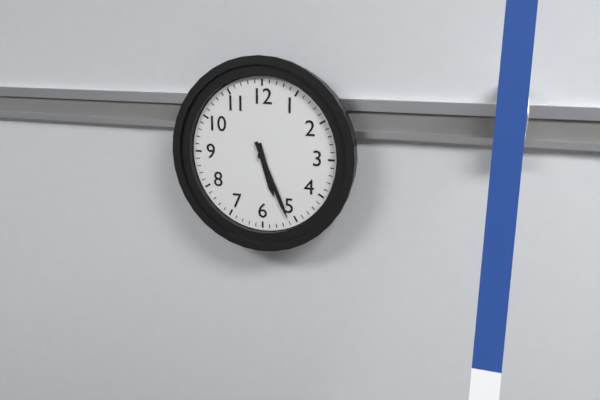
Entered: 5.26
